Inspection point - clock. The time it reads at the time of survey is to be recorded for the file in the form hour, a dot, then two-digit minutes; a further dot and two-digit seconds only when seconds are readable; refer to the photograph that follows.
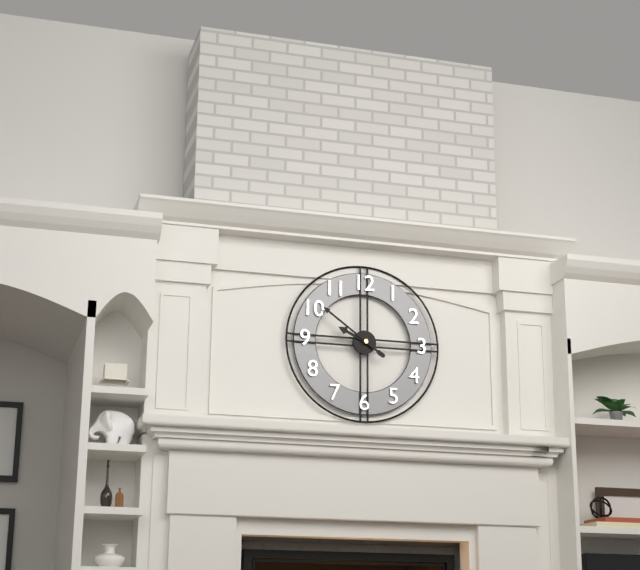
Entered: 9.51
